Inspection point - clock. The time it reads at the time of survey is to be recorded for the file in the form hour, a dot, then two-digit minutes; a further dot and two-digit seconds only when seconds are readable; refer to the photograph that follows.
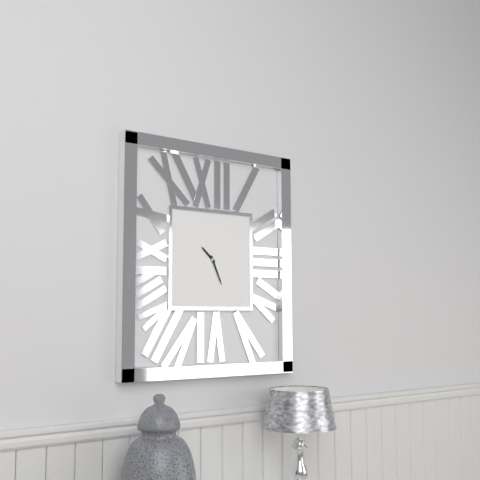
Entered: 10.26
